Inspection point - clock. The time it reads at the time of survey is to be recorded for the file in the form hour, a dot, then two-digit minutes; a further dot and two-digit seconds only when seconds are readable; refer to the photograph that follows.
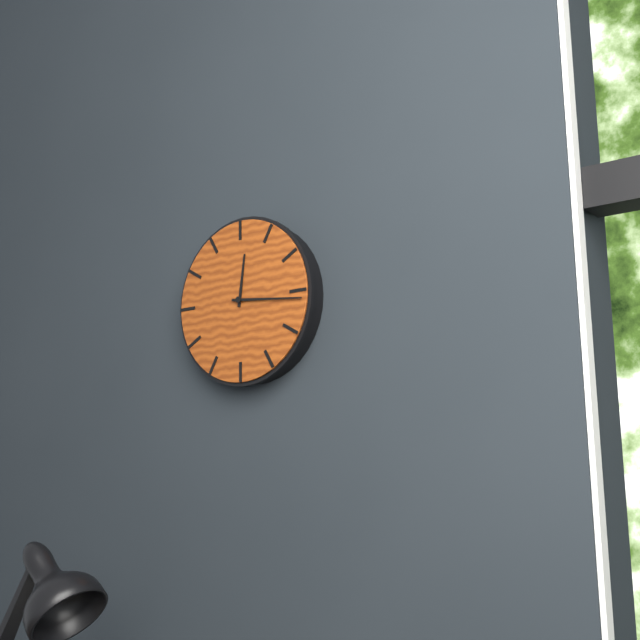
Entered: 12.16
